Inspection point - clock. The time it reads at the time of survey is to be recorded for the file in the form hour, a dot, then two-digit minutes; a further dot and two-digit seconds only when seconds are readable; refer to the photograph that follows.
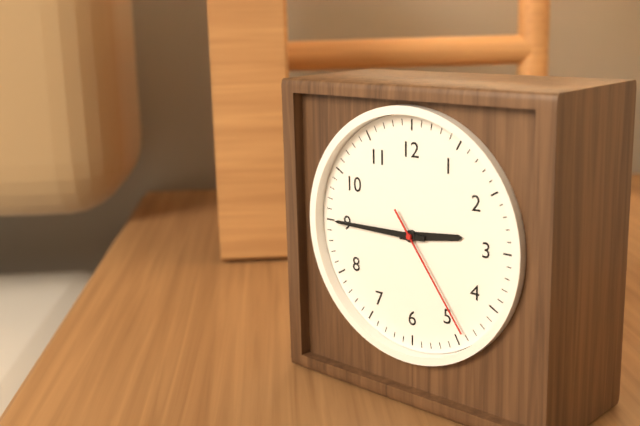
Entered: 2.45.24
